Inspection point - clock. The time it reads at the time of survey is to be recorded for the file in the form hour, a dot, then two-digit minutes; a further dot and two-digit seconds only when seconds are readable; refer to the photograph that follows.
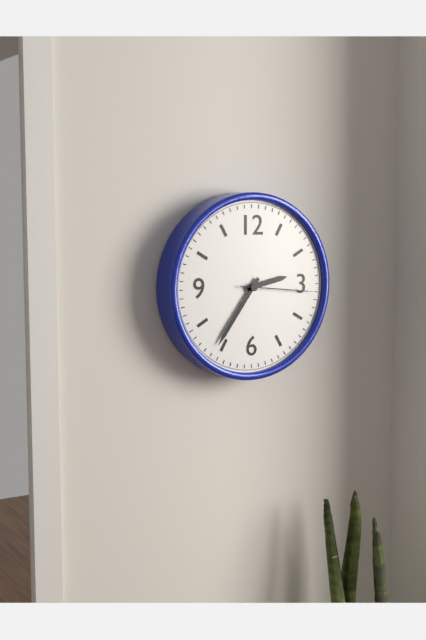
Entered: 2.36.16
